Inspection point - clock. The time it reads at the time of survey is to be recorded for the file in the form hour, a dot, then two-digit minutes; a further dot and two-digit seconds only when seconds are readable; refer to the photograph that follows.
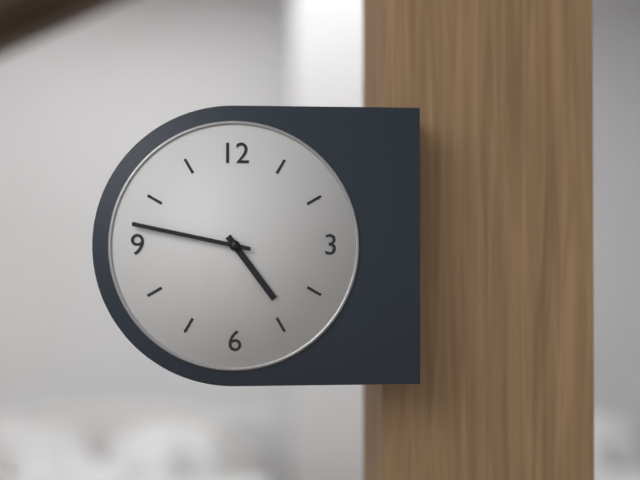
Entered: 4.47
